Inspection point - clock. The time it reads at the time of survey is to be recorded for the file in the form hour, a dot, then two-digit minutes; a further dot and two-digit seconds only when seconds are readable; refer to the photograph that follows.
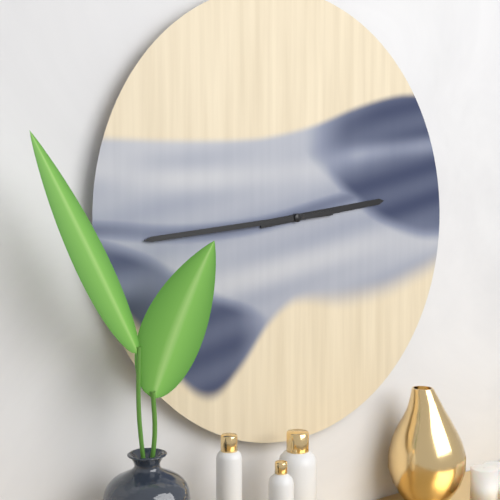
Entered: 2.44
